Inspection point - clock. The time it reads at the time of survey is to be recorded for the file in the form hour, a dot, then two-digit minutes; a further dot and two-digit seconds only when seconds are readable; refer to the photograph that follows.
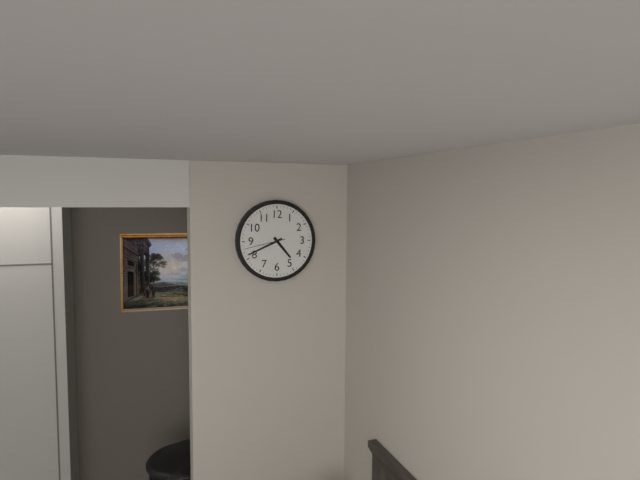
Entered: 4.41
